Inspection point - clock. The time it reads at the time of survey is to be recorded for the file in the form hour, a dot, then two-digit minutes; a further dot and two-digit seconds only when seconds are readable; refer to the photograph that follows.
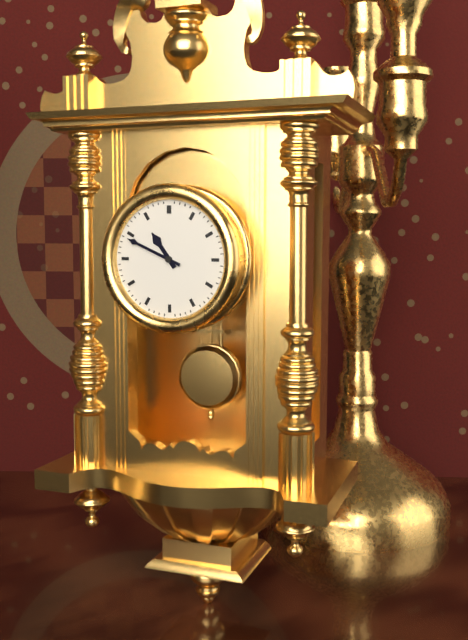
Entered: 10.49
